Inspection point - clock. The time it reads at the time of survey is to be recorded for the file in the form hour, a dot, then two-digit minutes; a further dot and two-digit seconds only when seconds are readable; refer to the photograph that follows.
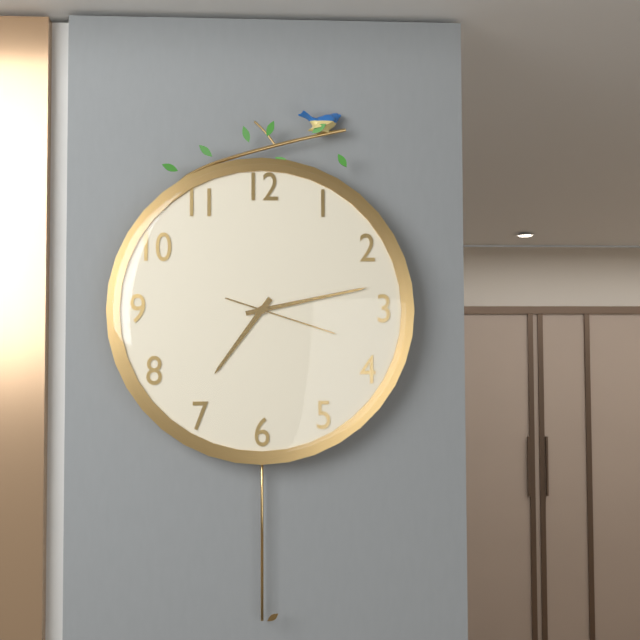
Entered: 7.13.18
